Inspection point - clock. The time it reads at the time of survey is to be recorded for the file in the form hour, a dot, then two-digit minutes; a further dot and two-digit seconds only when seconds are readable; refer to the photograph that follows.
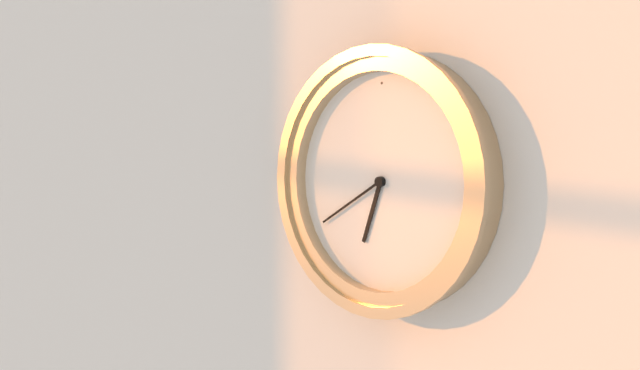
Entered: 6.40
